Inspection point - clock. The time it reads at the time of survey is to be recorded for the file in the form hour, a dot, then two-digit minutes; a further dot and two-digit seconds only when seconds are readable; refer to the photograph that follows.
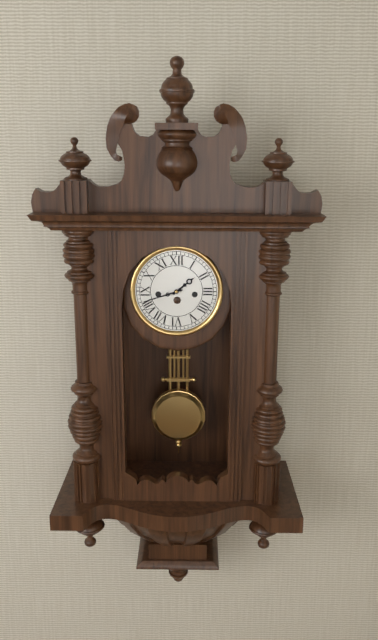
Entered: 1.42
